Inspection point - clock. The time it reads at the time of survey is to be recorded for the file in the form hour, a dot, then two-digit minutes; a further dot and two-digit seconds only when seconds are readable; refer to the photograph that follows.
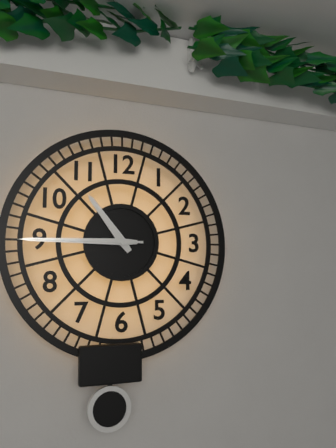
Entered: 10.45.45
